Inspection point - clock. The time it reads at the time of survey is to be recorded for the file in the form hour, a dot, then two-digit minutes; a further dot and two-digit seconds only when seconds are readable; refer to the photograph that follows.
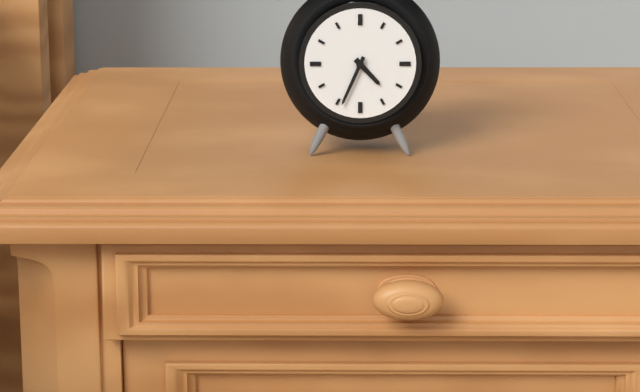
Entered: 4.34
